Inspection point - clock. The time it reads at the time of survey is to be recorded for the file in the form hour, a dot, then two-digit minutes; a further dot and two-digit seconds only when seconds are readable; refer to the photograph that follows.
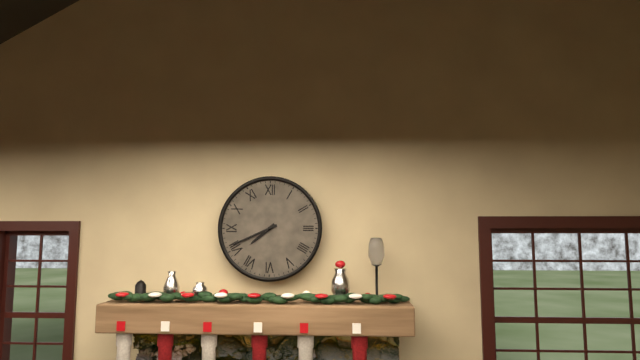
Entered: 7.41
